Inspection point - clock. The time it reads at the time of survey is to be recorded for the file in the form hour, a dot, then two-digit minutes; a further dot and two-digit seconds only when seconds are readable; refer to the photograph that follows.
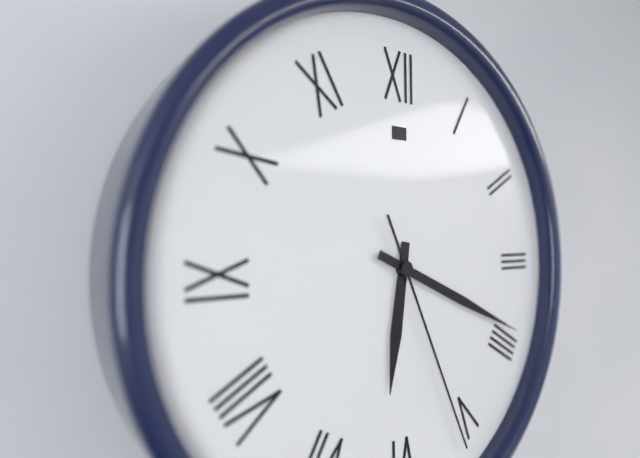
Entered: 6.19.26
